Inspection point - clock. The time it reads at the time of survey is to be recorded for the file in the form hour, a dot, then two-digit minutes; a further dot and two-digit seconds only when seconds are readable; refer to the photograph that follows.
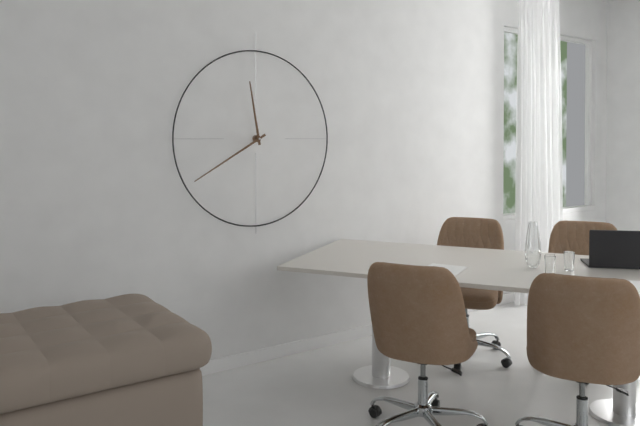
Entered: 11.40
